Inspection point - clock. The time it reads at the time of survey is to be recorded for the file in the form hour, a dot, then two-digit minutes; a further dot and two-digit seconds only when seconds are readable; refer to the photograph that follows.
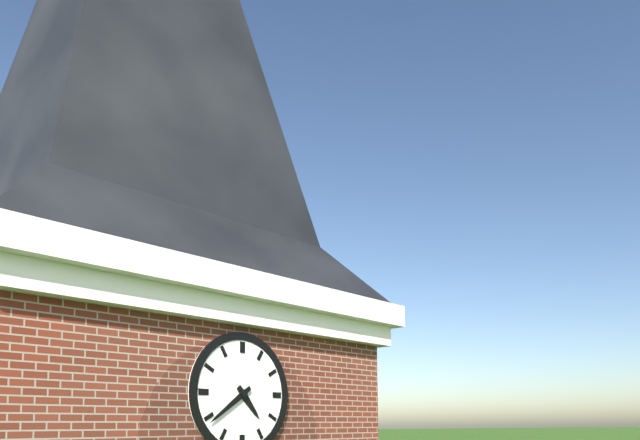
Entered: 4.39
